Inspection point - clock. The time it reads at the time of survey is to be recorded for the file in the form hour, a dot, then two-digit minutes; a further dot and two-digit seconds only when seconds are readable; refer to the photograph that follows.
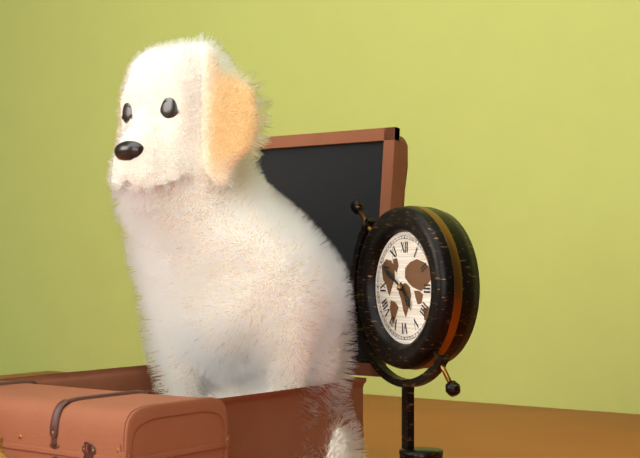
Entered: 4.50
